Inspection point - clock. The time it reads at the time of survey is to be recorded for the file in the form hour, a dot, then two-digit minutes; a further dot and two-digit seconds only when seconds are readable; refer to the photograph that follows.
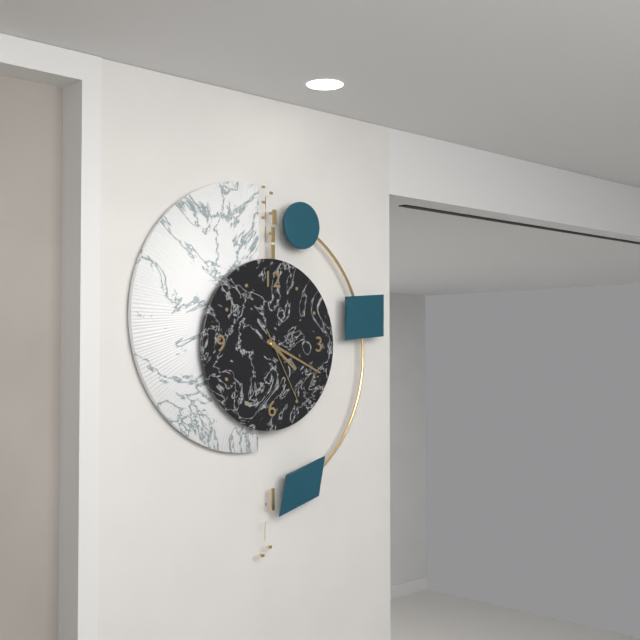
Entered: 4.19.25
